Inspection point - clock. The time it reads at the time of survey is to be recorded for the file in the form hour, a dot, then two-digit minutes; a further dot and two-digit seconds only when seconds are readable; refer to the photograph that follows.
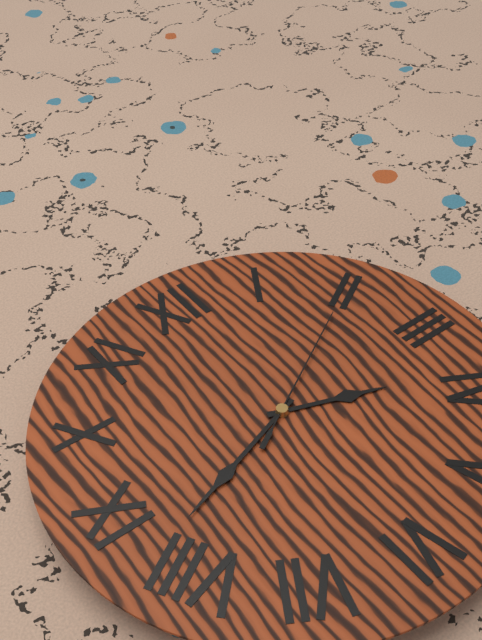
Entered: 3.42.10
